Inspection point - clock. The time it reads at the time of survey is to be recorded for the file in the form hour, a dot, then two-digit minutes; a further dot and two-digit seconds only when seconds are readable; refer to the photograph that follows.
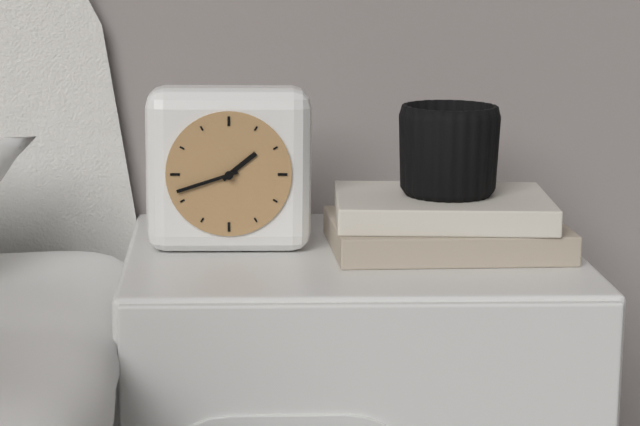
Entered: 1.42
